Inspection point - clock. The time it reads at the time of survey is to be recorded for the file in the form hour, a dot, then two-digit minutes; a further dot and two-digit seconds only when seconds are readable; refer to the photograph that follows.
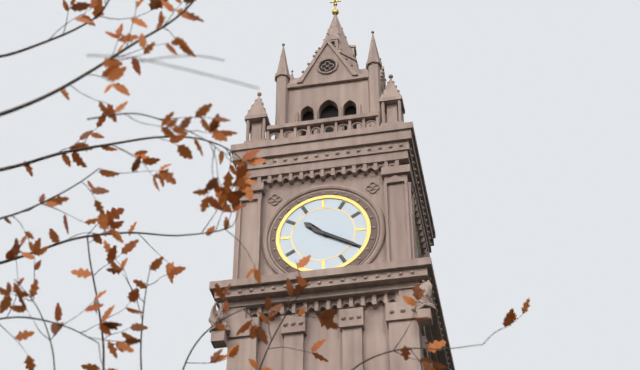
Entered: 10.20
